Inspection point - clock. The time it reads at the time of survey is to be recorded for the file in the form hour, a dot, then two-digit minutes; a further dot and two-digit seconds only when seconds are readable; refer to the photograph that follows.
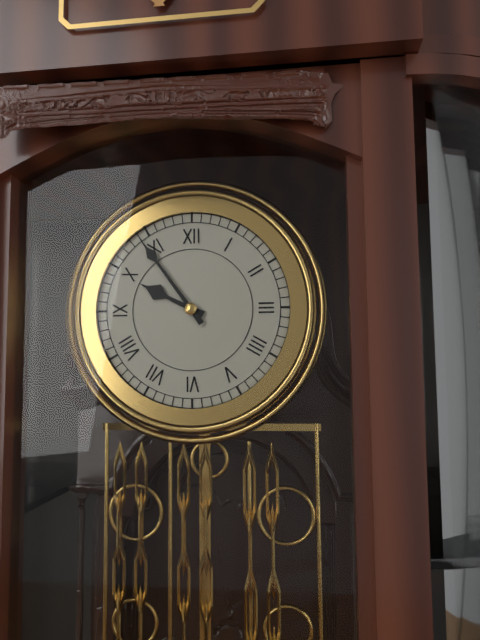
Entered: 9.54
